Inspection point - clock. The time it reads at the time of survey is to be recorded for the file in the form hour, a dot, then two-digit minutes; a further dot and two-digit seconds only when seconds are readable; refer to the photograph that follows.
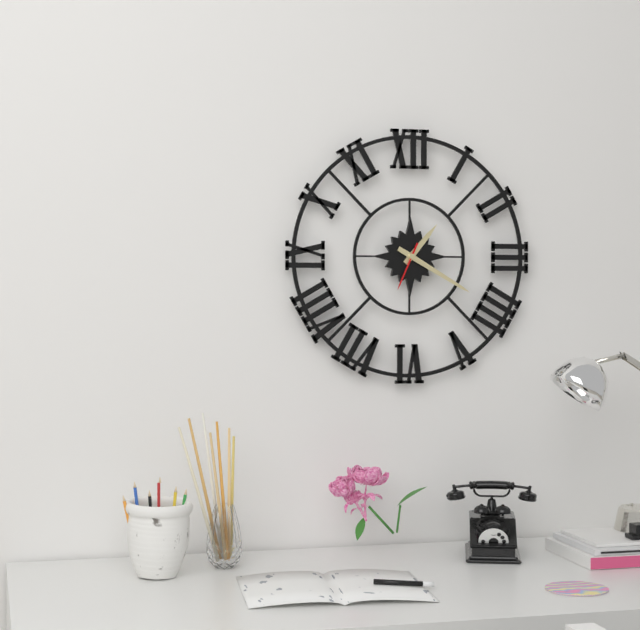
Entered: 1.20
